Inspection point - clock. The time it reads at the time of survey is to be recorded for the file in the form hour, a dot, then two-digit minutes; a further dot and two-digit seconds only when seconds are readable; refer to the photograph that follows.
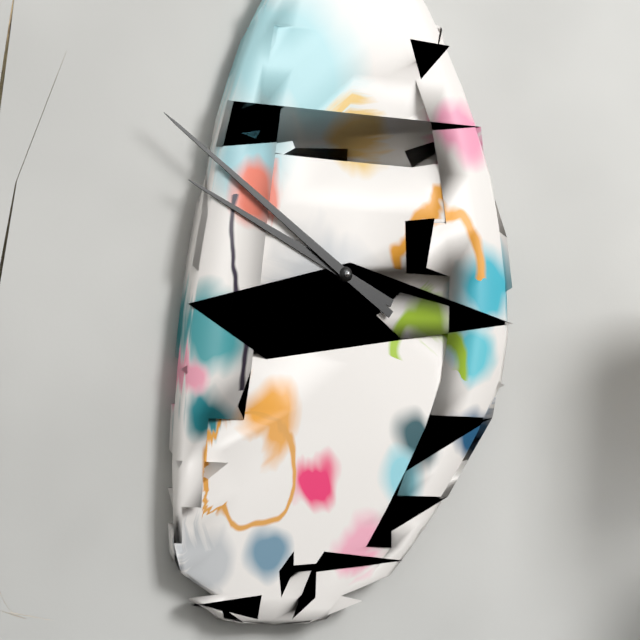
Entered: 9.51
